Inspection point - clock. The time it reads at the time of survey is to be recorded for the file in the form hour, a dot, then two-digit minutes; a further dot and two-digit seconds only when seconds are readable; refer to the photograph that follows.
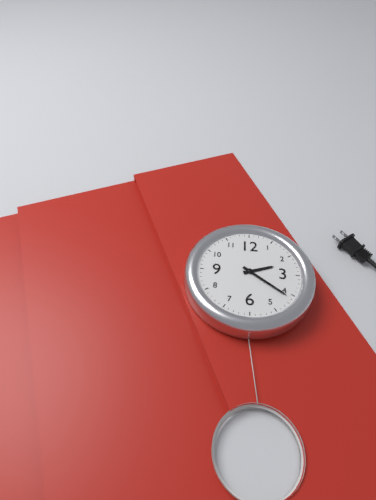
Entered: 2.21
